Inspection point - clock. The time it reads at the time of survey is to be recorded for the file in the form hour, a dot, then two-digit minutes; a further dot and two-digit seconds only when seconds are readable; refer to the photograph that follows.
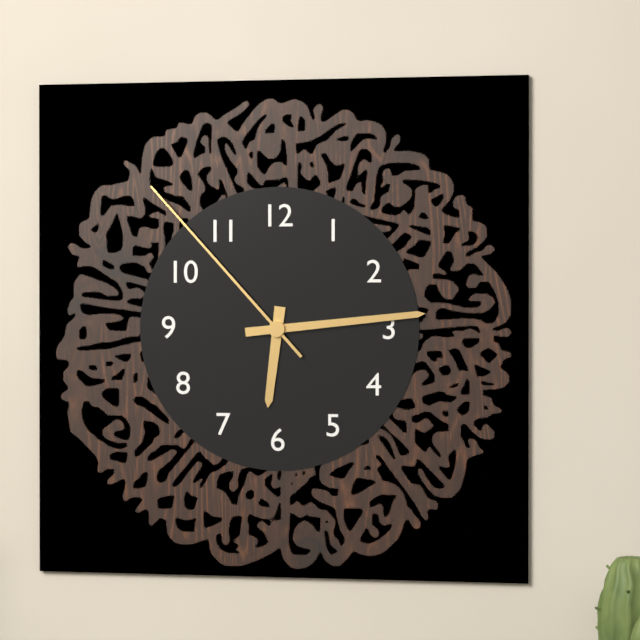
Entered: 6.14.53
